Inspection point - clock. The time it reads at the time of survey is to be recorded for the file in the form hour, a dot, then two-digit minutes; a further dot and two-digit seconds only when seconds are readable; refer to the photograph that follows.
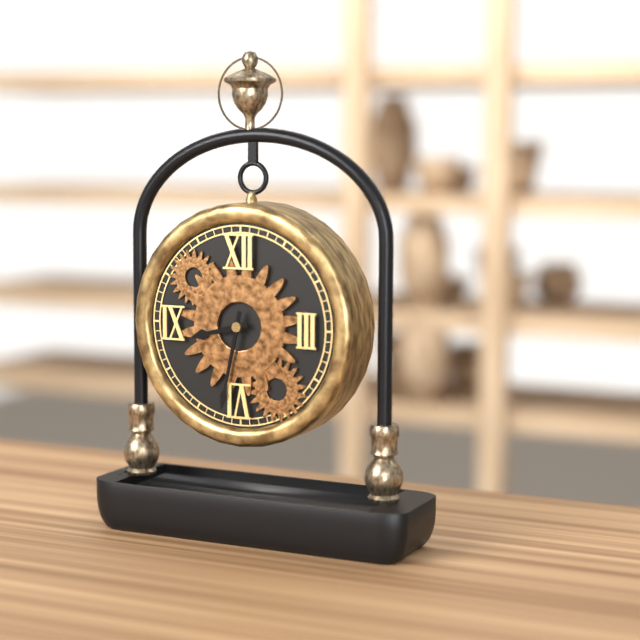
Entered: 8.32
